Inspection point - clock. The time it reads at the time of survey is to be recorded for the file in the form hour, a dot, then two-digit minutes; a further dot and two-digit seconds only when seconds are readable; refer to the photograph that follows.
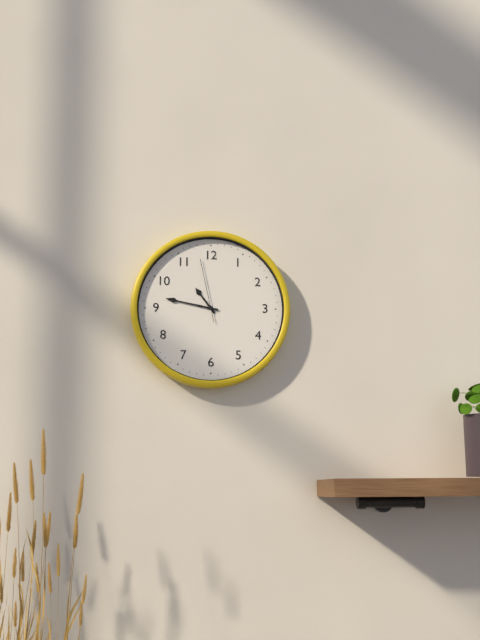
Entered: 10.47.58
